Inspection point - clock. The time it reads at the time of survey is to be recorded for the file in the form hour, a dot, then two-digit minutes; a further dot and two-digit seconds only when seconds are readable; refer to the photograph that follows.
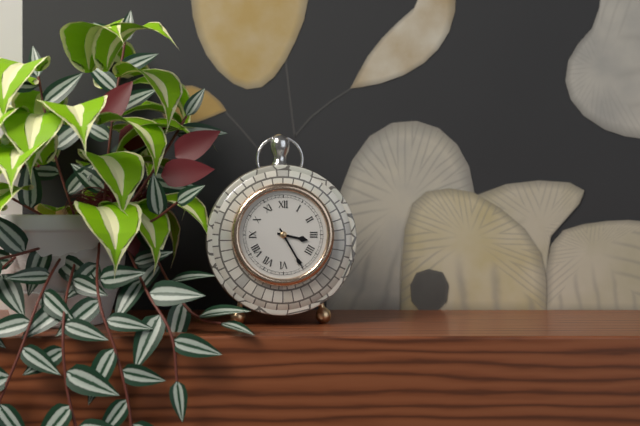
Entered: 3.25
